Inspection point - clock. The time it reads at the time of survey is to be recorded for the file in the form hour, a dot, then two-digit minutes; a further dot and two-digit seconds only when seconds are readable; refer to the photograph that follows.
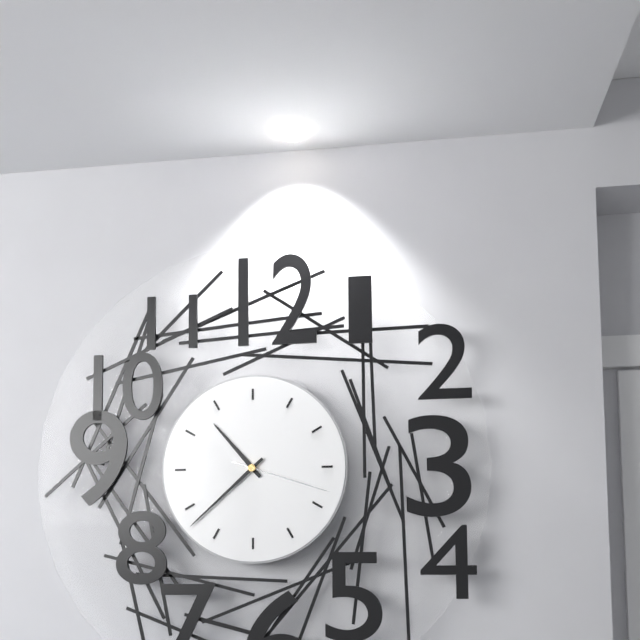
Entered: 10.38.18
